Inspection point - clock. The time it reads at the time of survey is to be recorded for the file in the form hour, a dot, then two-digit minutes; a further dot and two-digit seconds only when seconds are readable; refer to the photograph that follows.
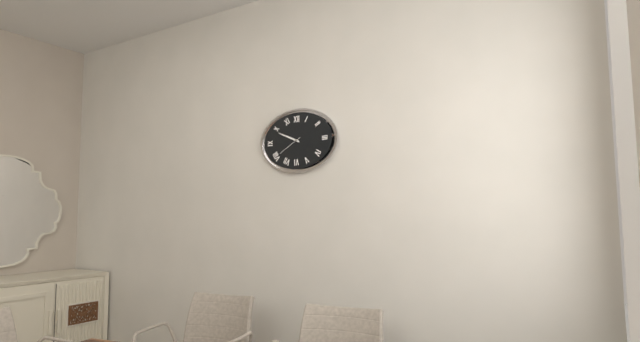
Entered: 9.49
